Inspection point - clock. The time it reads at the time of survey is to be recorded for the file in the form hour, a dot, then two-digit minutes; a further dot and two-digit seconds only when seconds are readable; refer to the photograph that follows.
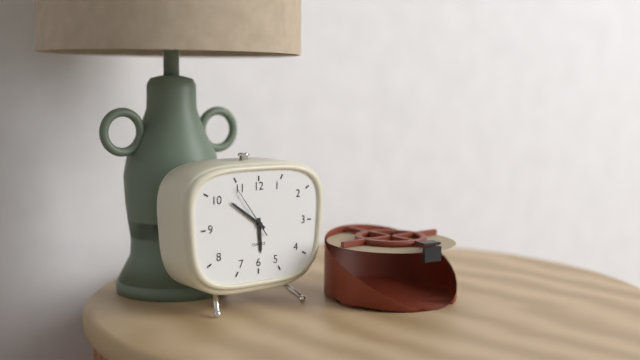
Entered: 5.51.54
